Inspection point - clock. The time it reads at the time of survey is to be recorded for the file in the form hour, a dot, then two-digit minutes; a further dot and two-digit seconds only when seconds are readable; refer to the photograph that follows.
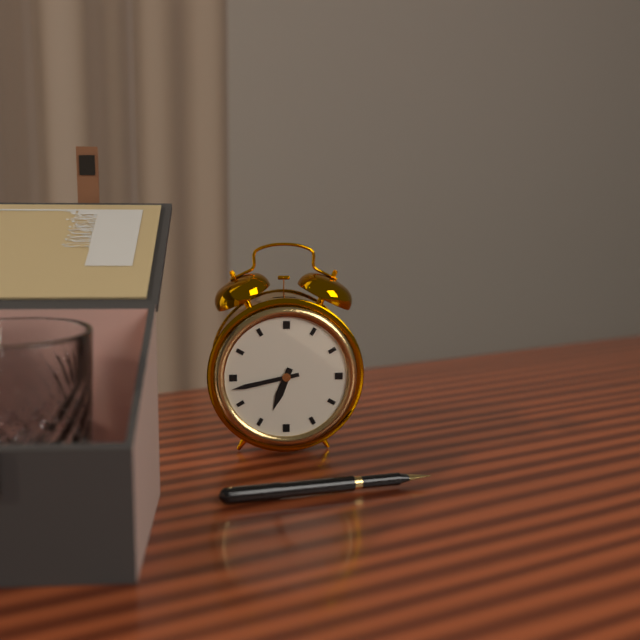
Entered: 6.43
